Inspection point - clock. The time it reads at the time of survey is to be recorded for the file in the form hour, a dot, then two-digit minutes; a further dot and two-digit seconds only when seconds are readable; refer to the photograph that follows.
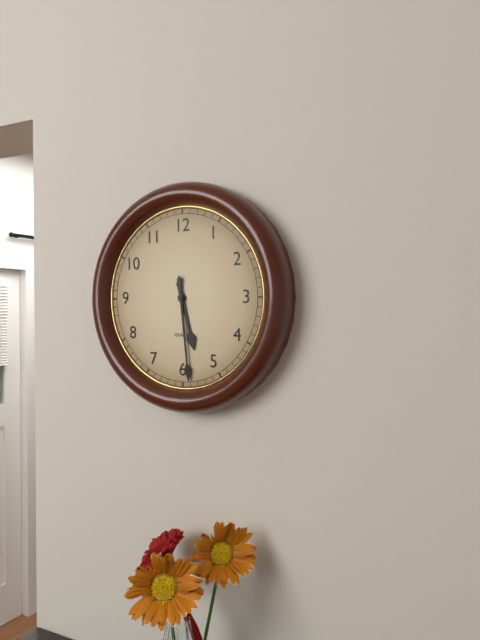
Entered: 5.29
